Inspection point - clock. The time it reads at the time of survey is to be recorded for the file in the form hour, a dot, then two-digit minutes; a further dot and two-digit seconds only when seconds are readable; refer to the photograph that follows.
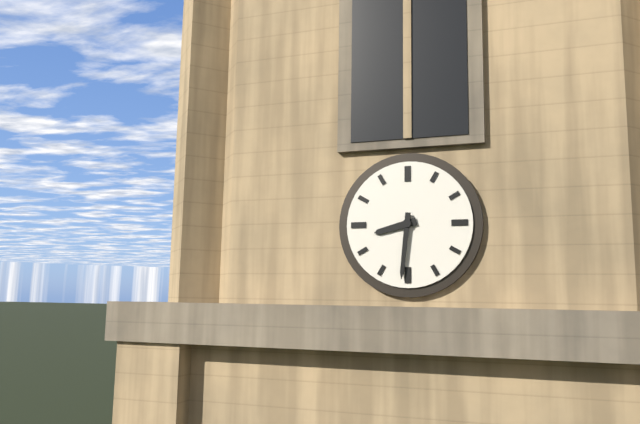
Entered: 8.31
